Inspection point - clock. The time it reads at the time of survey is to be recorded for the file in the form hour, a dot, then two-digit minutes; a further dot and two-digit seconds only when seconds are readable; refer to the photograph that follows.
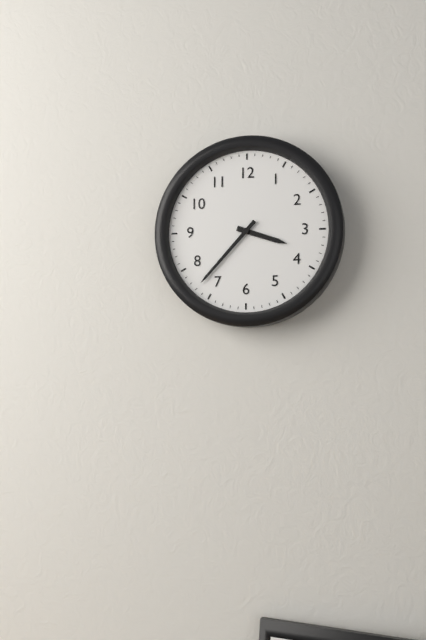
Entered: 3.37
